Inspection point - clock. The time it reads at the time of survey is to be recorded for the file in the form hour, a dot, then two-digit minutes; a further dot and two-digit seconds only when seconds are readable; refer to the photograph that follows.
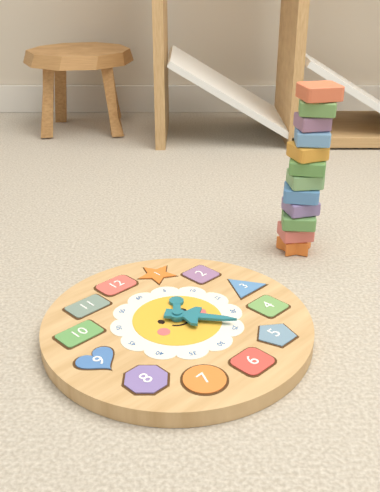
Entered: 1.24
